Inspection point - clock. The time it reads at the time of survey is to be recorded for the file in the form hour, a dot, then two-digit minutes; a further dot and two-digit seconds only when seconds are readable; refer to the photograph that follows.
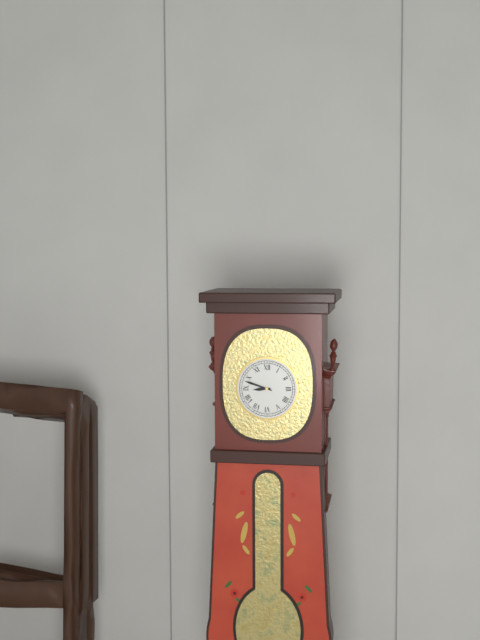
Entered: 8.48
